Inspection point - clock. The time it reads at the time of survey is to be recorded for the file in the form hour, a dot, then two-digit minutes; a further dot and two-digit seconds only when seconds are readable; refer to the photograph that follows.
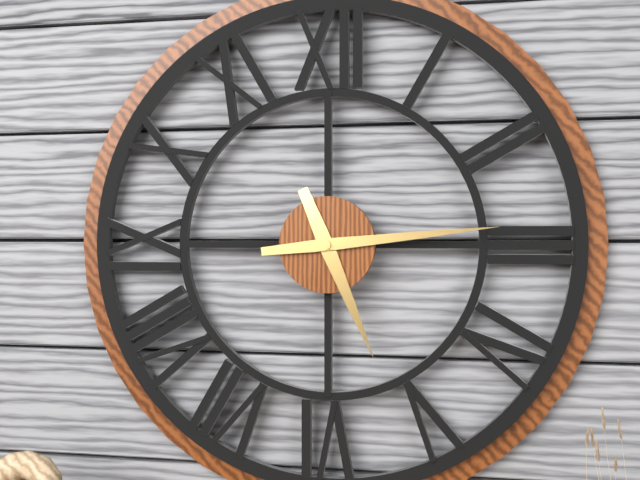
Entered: 5.14
